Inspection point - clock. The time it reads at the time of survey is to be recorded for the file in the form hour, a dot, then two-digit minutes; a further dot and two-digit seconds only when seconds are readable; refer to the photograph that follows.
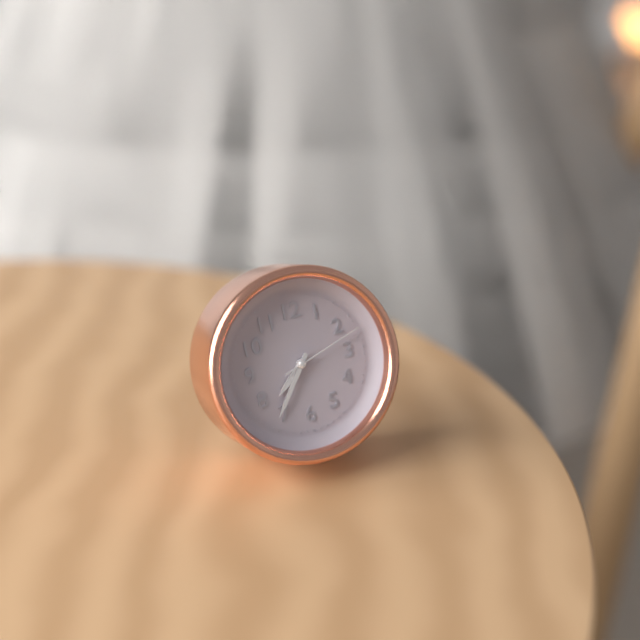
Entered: 7.36.12
